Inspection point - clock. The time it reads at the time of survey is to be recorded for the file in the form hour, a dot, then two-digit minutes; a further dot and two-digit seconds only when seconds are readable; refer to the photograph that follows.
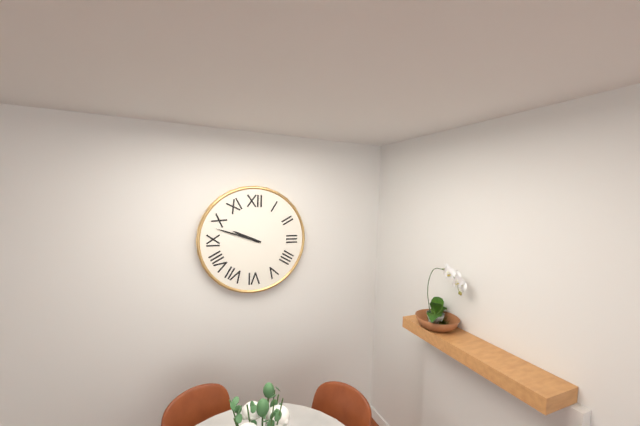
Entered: 9.48
